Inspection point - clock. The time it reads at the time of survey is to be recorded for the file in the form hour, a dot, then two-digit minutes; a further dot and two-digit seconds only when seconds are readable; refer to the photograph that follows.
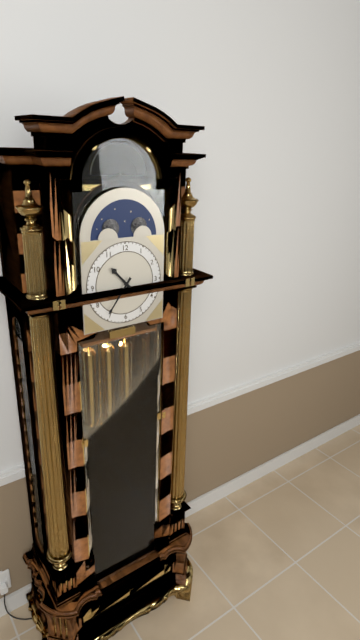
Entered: 10.36
